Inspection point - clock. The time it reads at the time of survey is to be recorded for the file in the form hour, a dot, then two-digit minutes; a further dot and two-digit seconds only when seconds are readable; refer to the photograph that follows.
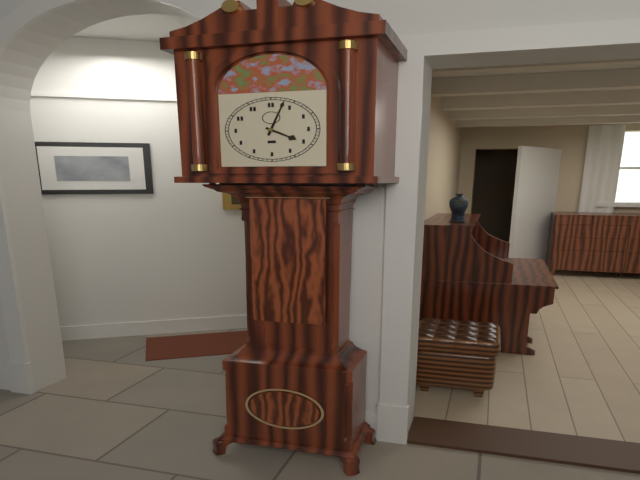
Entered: 4.03
